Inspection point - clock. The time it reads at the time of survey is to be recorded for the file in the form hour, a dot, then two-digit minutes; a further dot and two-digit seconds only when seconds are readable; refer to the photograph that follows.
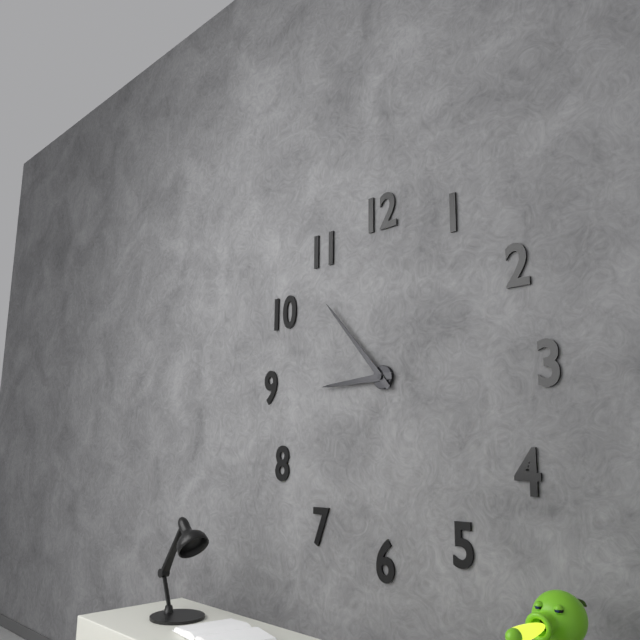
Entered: 8.53
